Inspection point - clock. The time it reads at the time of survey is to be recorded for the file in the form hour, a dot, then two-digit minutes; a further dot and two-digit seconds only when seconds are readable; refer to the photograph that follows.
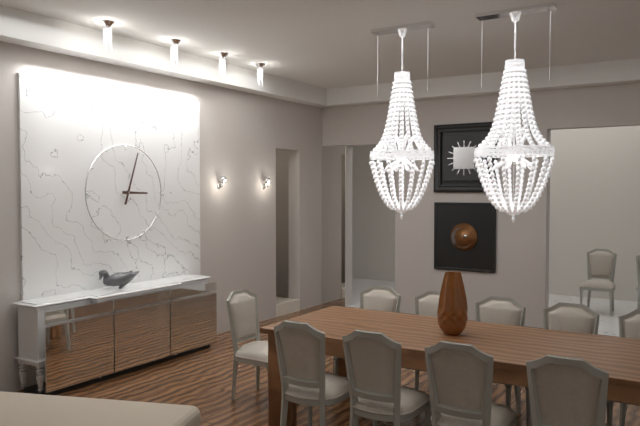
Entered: 3.03
